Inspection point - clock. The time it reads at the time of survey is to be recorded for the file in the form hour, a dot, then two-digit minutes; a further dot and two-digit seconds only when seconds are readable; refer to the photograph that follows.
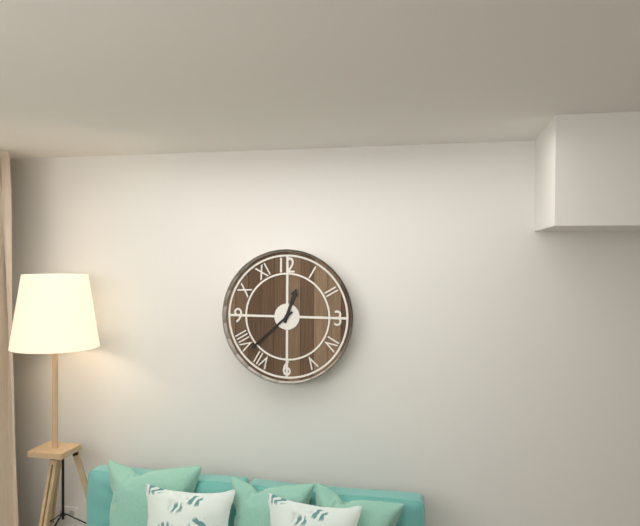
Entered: 12.38
